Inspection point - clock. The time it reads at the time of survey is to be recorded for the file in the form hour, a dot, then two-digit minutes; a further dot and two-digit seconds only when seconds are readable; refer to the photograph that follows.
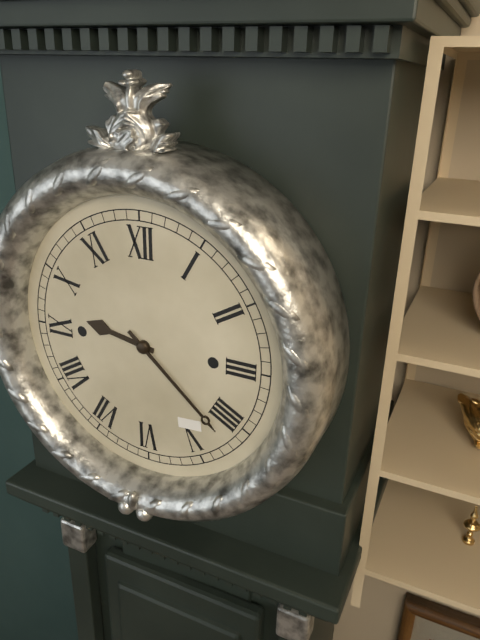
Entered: 9.22
